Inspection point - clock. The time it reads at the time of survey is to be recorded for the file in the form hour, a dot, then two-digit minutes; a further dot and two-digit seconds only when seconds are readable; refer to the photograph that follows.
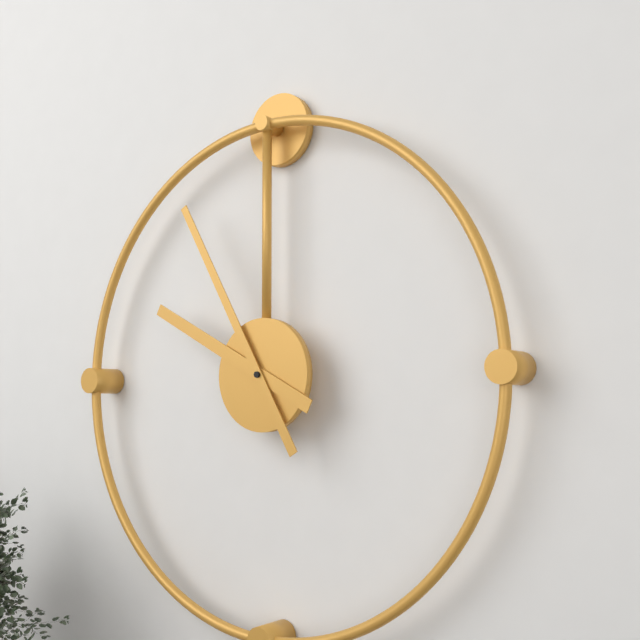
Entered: 9.55
